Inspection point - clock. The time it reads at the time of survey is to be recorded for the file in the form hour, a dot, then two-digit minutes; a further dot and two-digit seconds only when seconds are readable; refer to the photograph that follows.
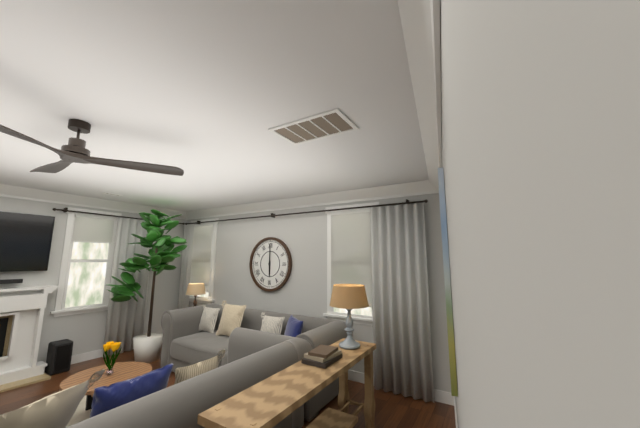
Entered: 6.00
